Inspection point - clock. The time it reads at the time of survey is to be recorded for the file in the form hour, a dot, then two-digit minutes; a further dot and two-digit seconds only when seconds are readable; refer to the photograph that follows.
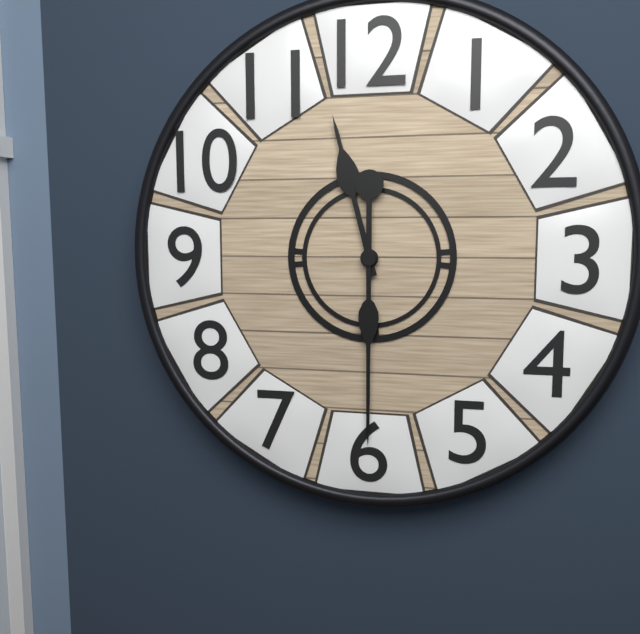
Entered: 11.30
